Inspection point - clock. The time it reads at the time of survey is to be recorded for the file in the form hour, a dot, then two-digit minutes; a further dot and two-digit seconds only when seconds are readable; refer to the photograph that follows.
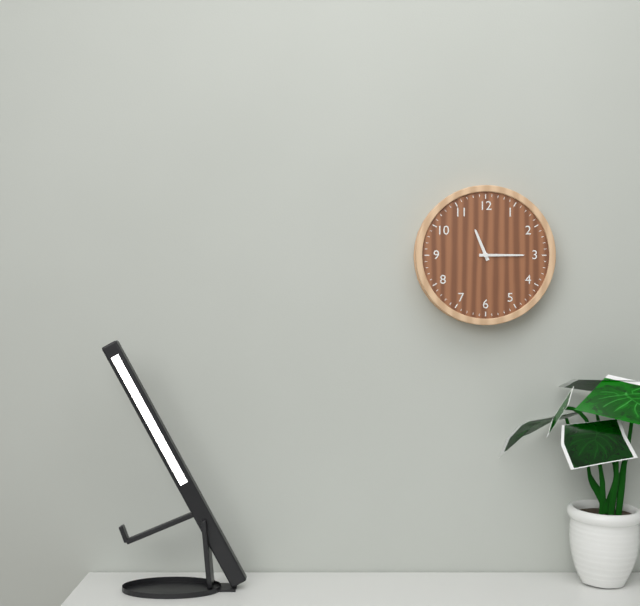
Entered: 11.15
